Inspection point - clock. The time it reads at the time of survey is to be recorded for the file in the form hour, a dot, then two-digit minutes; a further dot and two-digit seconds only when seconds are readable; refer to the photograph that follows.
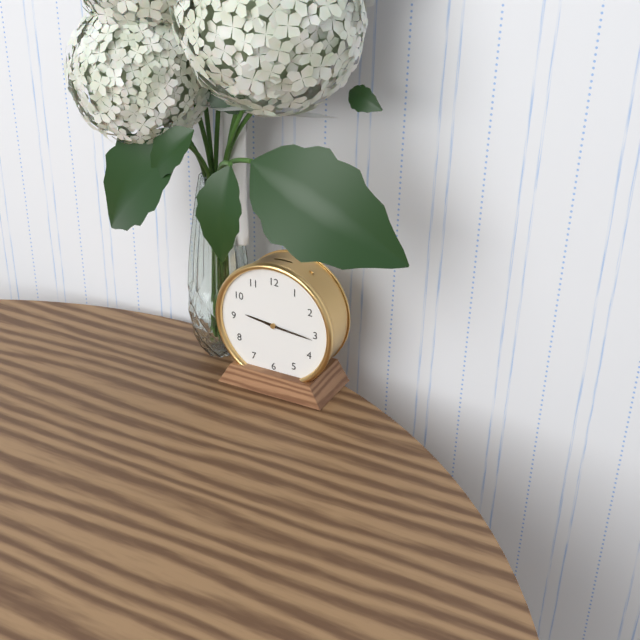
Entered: 9.16
